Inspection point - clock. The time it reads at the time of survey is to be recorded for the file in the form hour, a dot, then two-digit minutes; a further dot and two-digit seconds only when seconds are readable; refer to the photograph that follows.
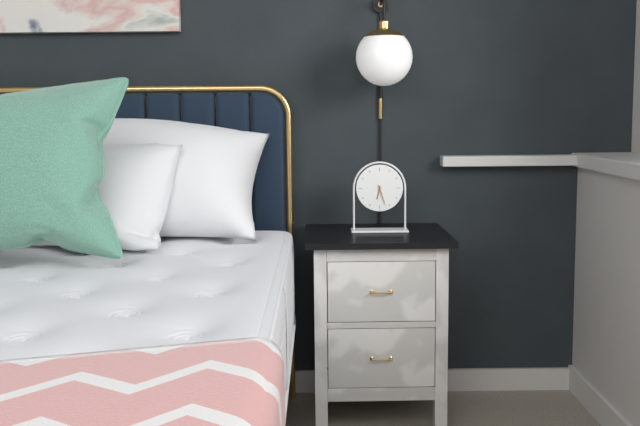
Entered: 6.27
